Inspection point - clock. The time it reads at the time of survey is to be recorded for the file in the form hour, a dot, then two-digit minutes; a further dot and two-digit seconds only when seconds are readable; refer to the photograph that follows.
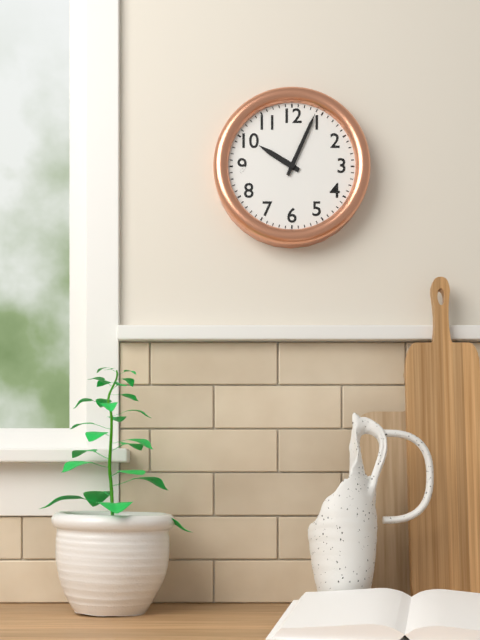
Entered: 10.04
